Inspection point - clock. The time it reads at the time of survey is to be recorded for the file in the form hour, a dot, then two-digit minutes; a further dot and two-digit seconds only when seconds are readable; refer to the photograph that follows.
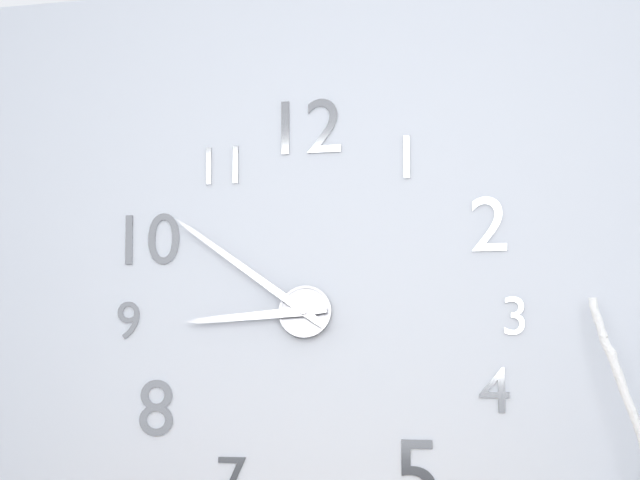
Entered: 8.51
